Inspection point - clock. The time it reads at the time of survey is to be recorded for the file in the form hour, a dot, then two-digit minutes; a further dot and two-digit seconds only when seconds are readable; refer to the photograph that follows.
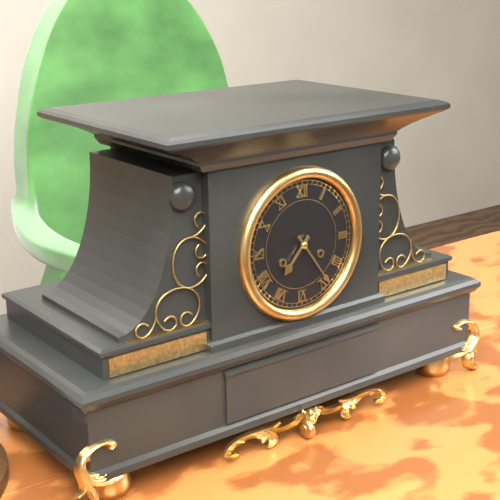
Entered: 7.24
